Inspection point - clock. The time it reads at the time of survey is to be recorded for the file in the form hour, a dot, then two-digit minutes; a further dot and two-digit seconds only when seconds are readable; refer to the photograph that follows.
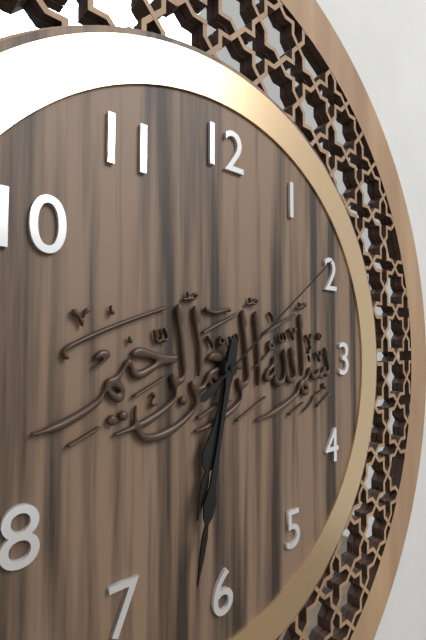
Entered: 6.32.09
